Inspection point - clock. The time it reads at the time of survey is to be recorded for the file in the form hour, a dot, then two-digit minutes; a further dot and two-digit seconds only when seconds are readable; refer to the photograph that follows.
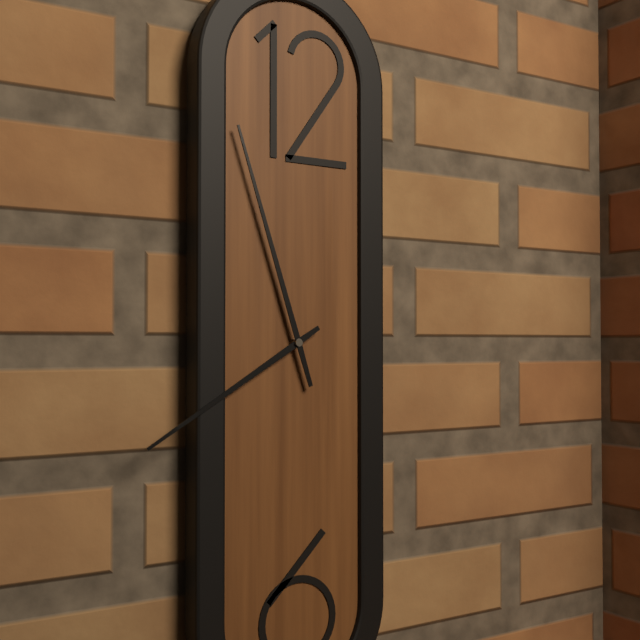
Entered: 7.57
